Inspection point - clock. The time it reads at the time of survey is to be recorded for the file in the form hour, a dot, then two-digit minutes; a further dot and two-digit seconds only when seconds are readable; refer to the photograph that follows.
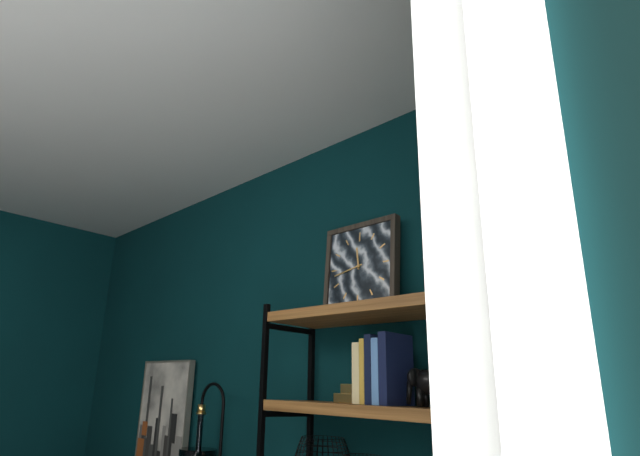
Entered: 11.43
